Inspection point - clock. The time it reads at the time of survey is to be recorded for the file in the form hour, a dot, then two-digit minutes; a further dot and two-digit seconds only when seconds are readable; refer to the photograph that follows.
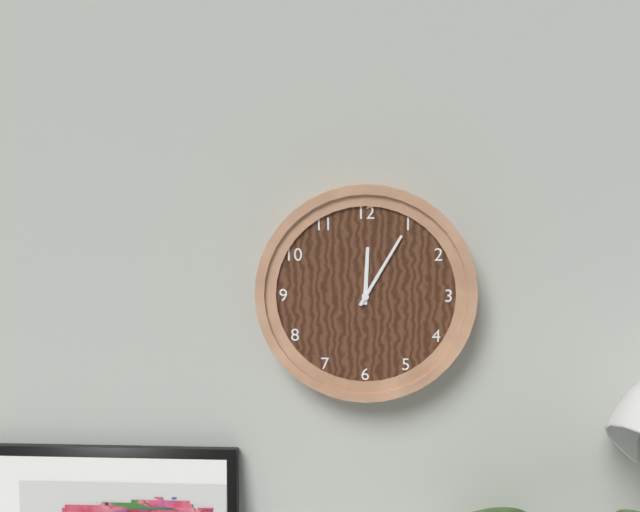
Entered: 12.05
